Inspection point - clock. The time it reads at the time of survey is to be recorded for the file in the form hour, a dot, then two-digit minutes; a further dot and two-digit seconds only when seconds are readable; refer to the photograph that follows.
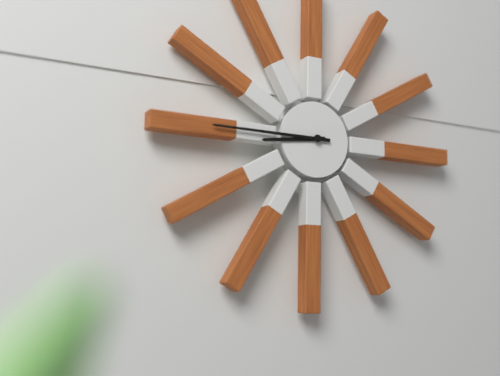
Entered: 8.45
